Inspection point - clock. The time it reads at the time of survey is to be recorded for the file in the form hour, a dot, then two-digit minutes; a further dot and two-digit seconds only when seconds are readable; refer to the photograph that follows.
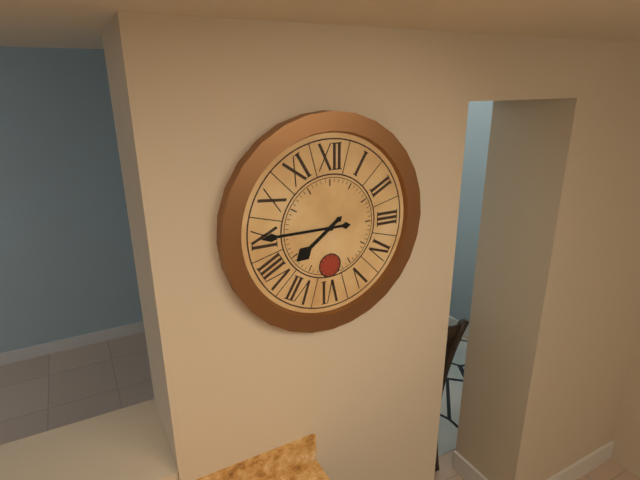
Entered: 7.45
